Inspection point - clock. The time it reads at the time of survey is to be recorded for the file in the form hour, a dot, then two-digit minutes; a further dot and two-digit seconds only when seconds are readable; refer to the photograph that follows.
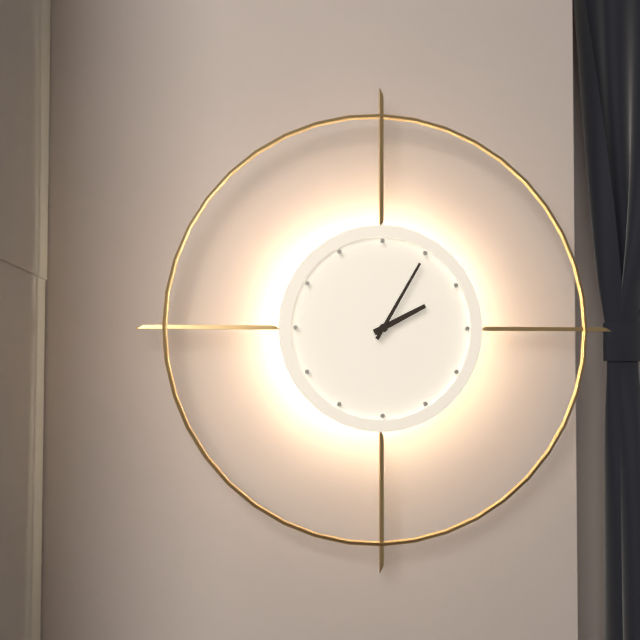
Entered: 2.05
